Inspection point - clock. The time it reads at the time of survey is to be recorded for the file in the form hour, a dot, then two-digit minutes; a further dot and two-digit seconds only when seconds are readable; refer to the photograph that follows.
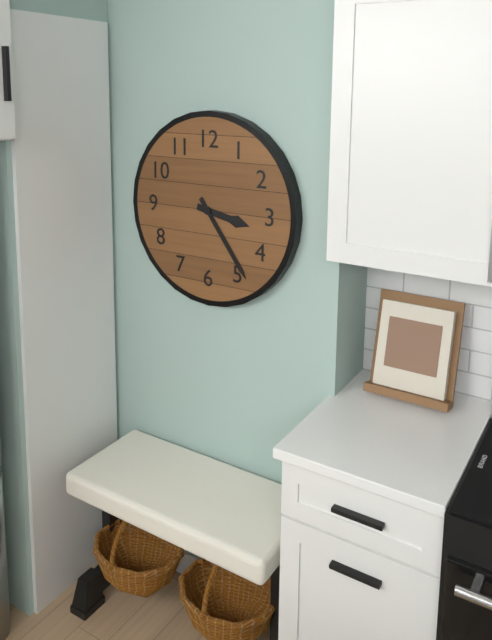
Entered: 3.24
